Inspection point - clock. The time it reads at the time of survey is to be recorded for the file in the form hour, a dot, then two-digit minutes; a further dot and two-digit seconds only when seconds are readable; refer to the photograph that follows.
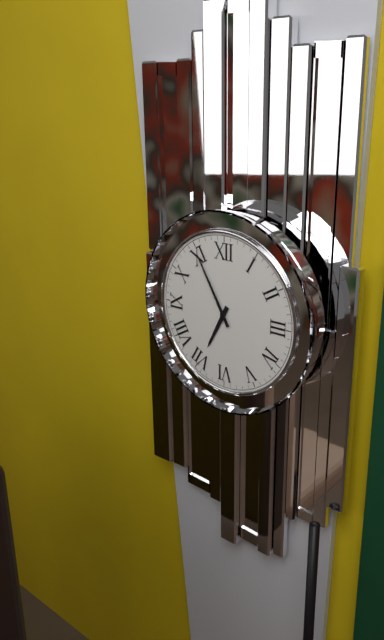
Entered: 6.55
